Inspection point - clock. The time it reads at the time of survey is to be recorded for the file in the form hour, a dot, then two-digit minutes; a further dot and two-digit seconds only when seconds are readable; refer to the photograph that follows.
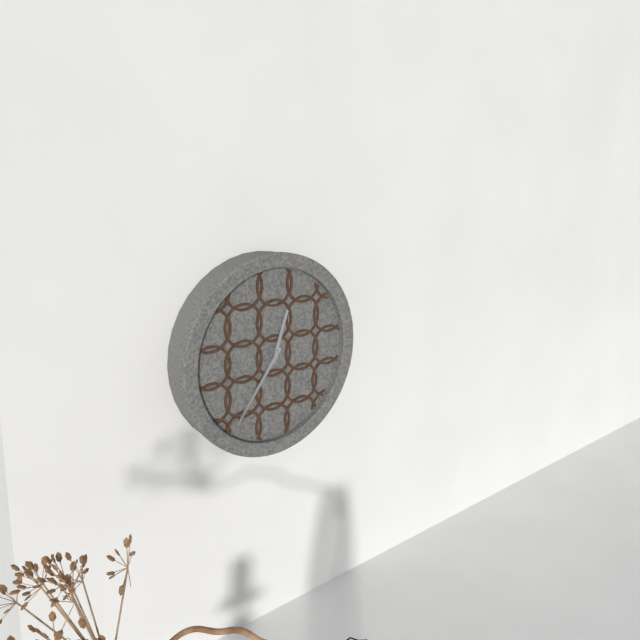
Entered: 12.36
